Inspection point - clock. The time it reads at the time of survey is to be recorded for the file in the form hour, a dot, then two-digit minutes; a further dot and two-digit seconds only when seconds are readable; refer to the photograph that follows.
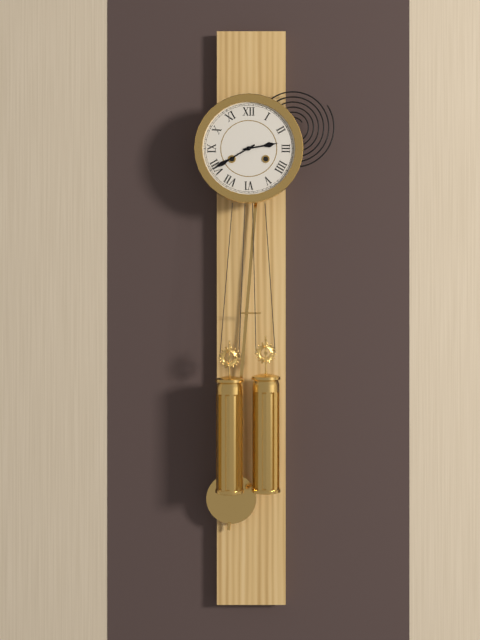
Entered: 2.40
